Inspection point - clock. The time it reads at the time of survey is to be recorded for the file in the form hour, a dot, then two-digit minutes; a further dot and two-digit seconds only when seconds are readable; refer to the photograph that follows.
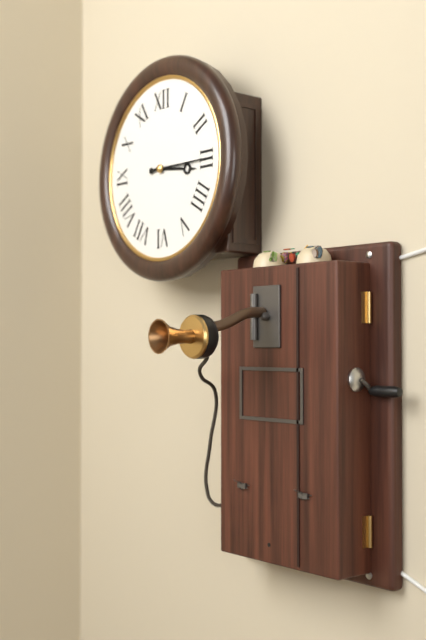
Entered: 3.15
